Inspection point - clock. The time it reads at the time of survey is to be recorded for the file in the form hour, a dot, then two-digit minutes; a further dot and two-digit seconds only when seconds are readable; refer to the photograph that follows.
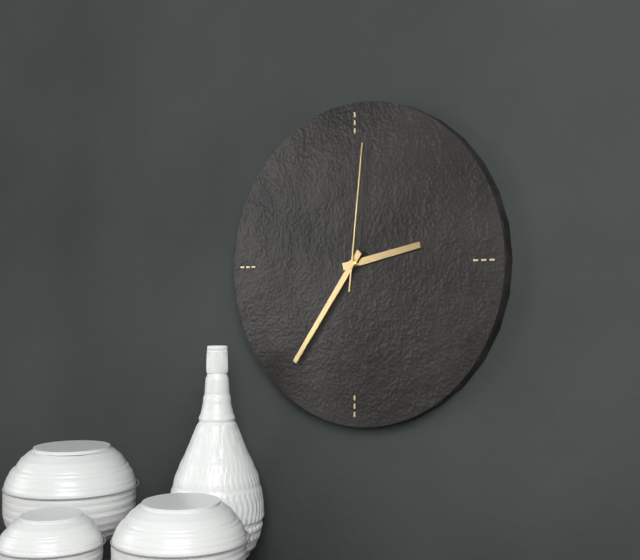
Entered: 2.36.01
